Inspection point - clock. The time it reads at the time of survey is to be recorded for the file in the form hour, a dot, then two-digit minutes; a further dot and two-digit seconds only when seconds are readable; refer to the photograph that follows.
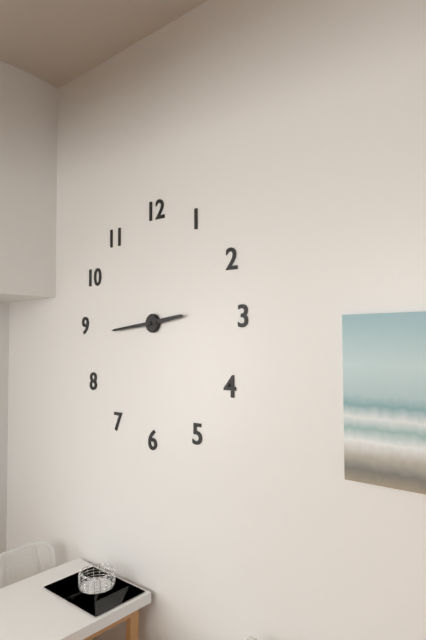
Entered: 2.44
